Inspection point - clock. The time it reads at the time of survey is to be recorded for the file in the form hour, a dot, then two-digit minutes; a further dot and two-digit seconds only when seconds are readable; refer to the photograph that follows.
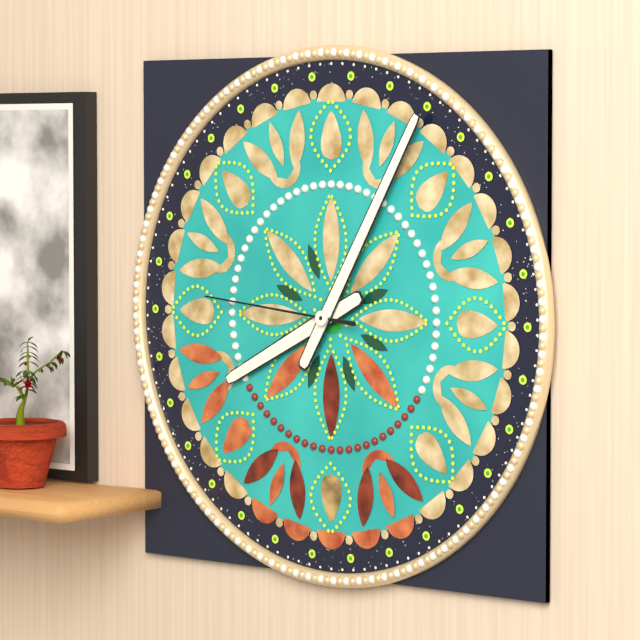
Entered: 8.05.46
